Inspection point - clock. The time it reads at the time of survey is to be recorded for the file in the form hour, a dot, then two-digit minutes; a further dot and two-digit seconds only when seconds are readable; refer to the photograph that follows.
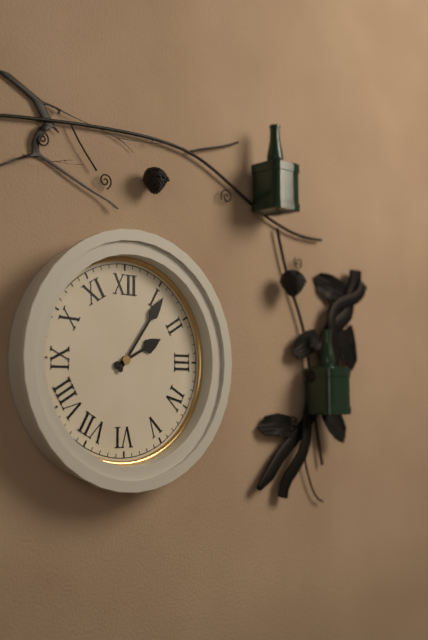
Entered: 2.06
